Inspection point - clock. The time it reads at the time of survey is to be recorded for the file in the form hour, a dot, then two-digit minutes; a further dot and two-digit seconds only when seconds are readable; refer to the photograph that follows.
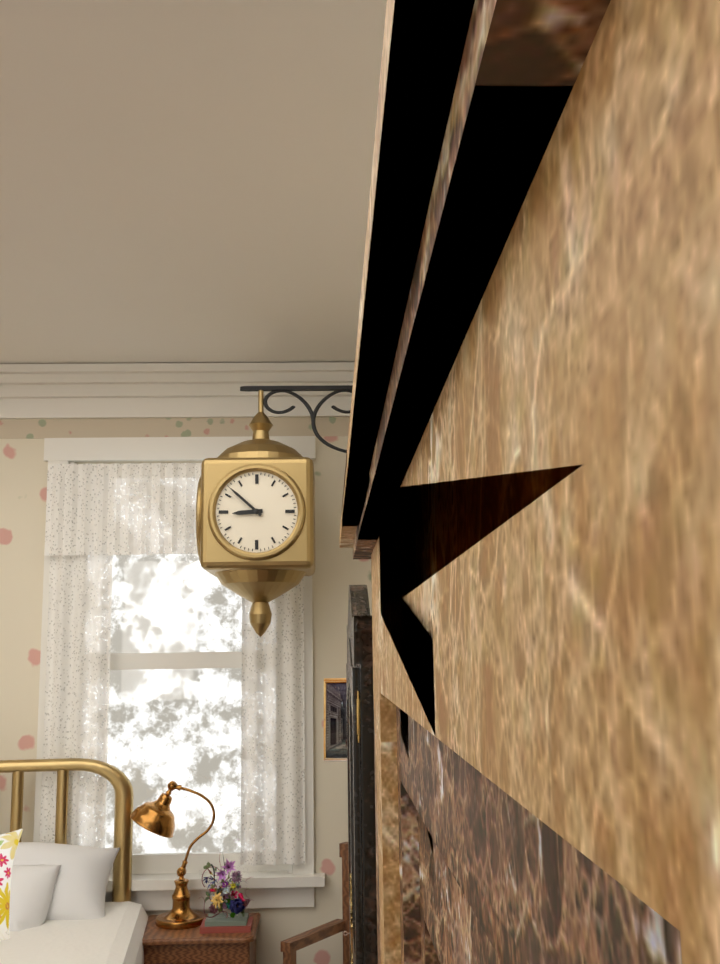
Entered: 8.52
